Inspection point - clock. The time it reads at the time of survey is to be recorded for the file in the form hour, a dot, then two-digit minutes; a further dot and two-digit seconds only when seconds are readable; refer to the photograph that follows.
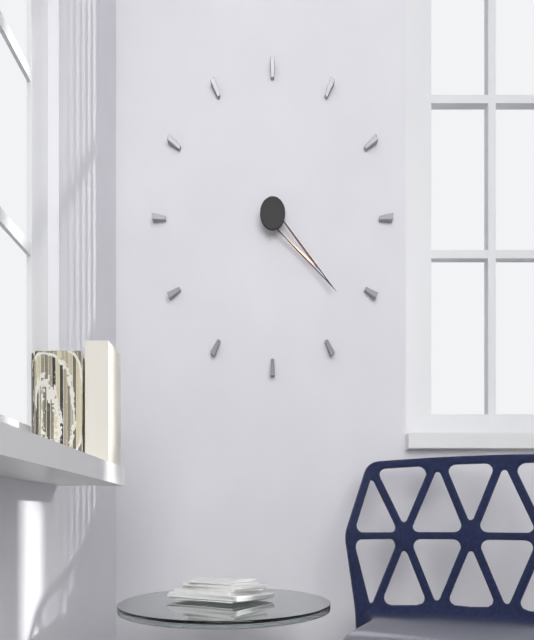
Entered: 4.22
